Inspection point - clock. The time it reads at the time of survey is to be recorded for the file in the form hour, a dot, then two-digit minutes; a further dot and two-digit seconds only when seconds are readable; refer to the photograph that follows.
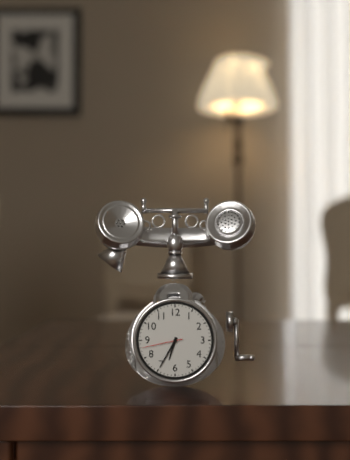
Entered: 6.35
